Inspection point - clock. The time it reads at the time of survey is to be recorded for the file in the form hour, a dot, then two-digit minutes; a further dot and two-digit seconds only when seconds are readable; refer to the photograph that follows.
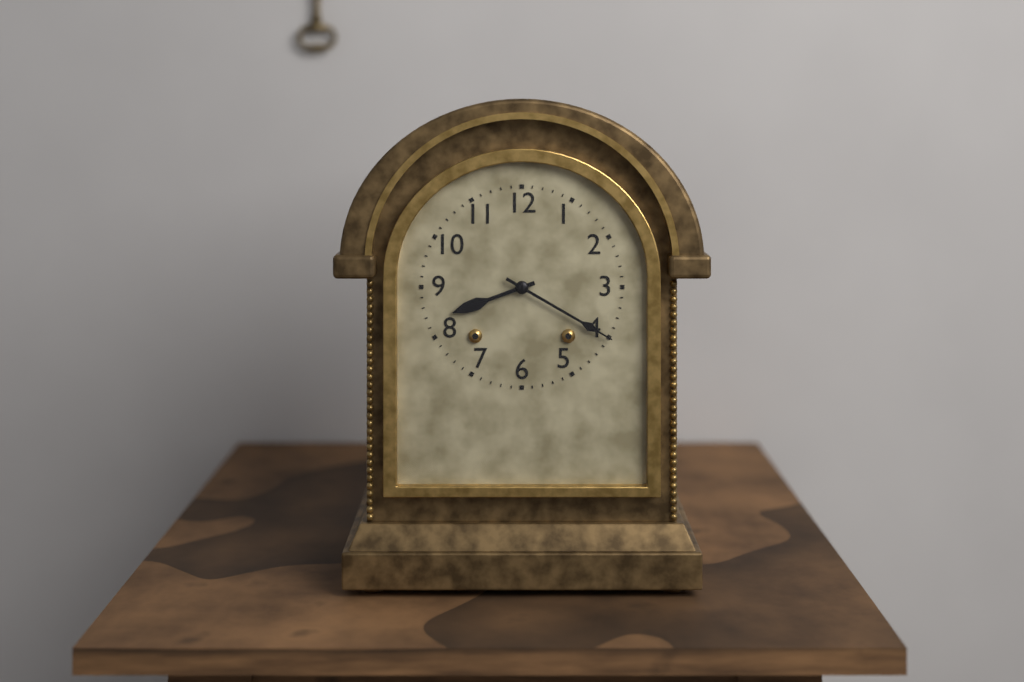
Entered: 8.20
